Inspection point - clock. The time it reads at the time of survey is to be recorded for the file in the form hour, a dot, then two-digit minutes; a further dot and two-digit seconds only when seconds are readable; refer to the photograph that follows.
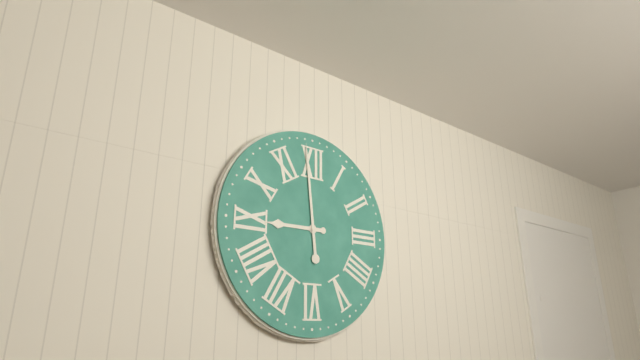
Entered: 8.59
